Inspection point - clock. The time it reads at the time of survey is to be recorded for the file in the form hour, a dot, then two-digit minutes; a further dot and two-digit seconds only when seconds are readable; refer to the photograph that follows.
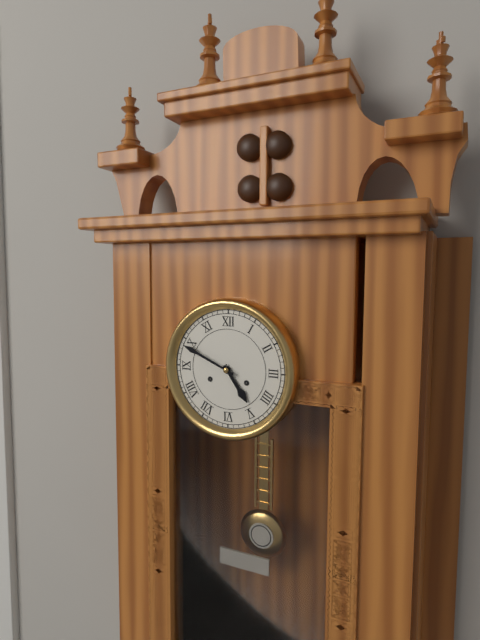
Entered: 4.49
